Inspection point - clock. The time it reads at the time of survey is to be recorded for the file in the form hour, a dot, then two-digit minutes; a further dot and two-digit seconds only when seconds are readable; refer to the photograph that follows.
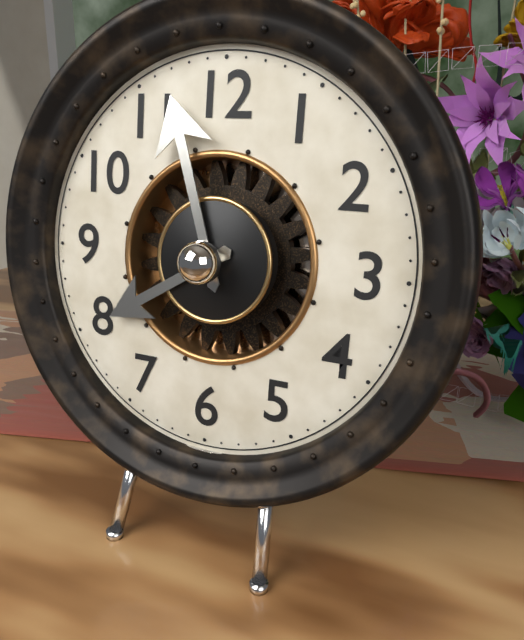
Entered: 7.57
